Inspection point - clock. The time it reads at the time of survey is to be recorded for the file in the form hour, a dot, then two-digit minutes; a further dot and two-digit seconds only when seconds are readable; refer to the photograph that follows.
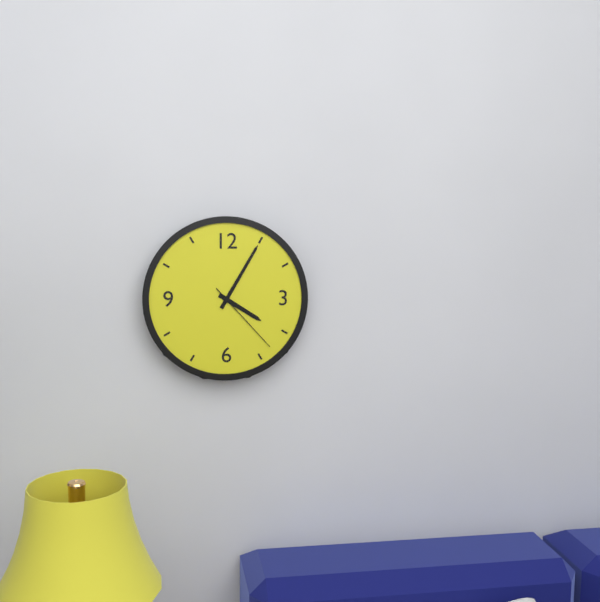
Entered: 4.05.23
